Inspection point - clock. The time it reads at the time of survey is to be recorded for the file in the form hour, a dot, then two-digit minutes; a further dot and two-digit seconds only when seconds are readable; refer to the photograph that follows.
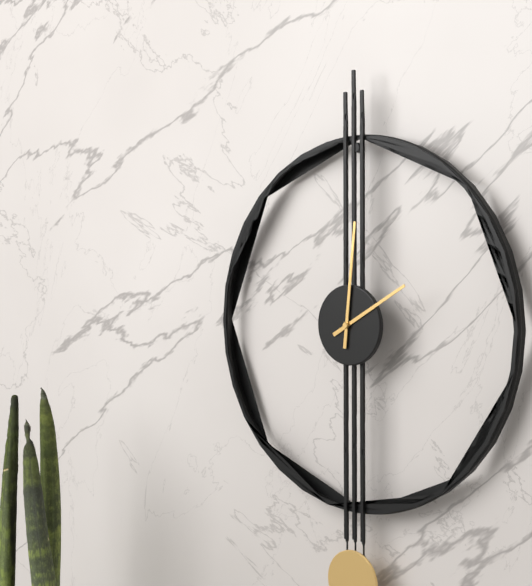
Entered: 2.01
